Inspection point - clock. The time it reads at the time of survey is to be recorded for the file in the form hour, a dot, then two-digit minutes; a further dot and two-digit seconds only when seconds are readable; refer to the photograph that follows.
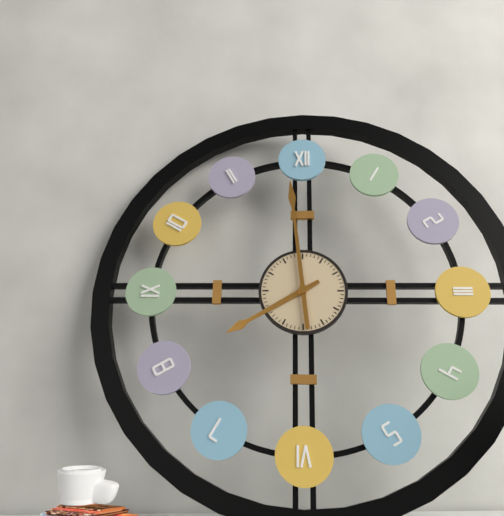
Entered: 7.59
